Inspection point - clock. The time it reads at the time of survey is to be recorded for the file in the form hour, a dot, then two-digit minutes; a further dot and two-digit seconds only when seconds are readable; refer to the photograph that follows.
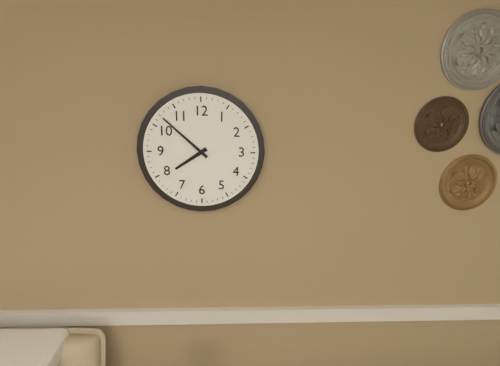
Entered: 7.52
